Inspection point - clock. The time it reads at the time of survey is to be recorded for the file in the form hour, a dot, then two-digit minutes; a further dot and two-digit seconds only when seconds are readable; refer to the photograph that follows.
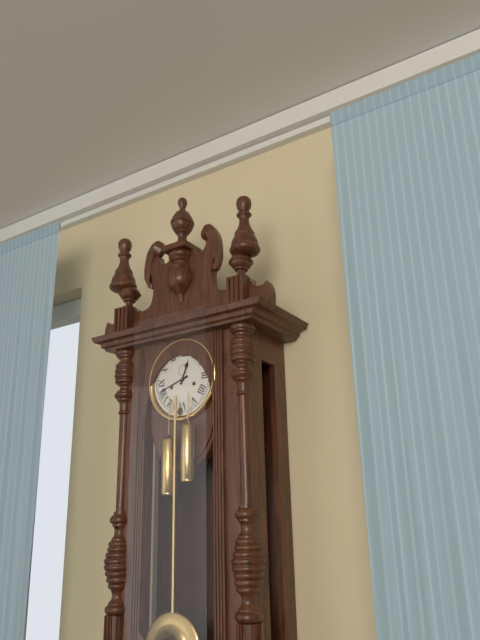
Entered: 12.42
